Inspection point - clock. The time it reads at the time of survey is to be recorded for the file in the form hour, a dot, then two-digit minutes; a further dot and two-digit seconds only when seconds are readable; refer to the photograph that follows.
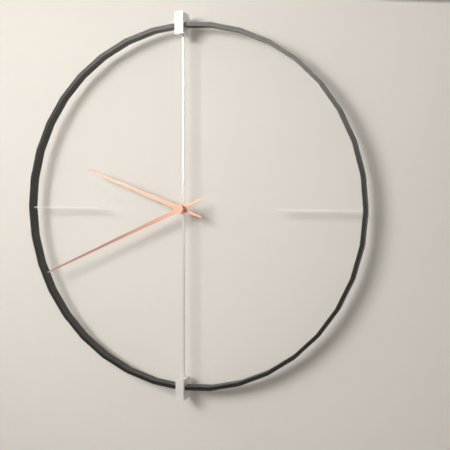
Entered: 9.41
